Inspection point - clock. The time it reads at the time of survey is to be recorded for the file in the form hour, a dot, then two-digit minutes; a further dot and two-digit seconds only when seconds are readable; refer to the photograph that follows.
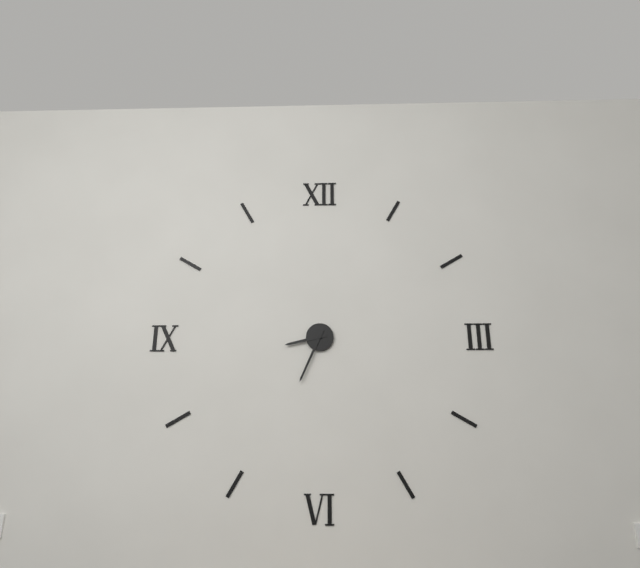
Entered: 8.34
